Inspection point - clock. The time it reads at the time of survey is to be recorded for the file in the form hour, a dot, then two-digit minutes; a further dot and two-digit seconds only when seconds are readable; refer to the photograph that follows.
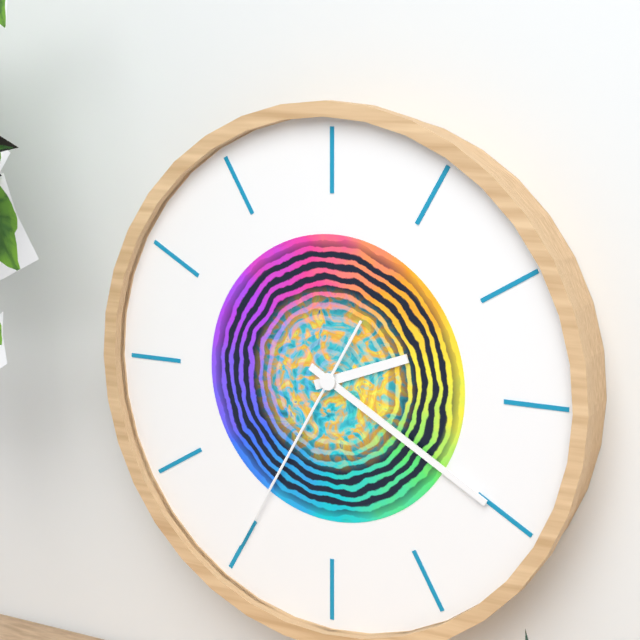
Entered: 2.20.35
